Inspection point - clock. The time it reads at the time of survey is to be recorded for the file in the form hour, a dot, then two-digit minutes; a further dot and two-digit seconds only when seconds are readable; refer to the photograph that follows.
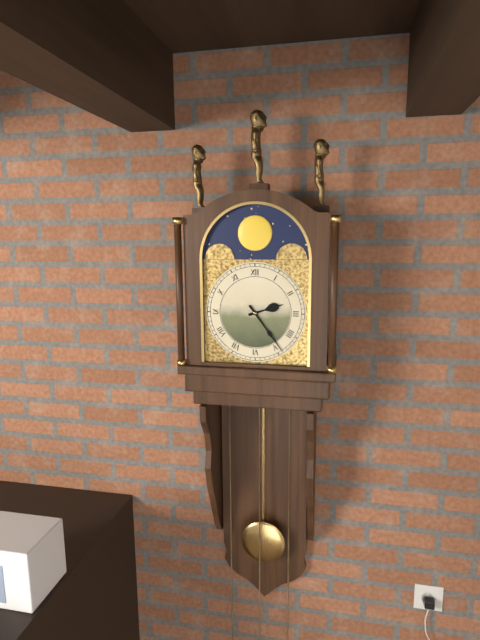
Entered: 2.24
